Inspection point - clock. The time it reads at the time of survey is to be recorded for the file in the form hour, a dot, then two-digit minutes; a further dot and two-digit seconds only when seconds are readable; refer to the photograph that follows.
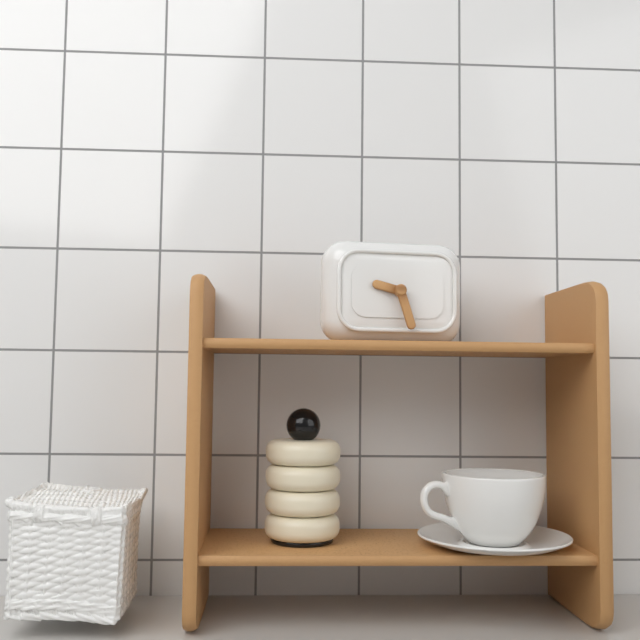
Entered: 9.27
